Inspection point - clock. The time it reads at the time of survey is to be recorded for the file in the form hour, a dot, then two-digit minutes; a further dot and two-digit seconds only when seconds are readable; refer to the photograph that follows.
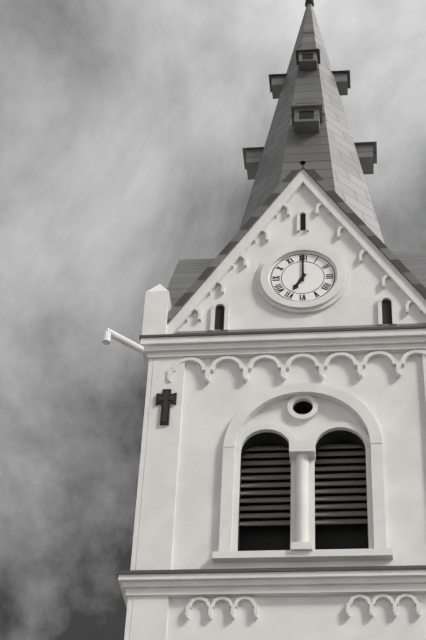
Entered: 7.00
